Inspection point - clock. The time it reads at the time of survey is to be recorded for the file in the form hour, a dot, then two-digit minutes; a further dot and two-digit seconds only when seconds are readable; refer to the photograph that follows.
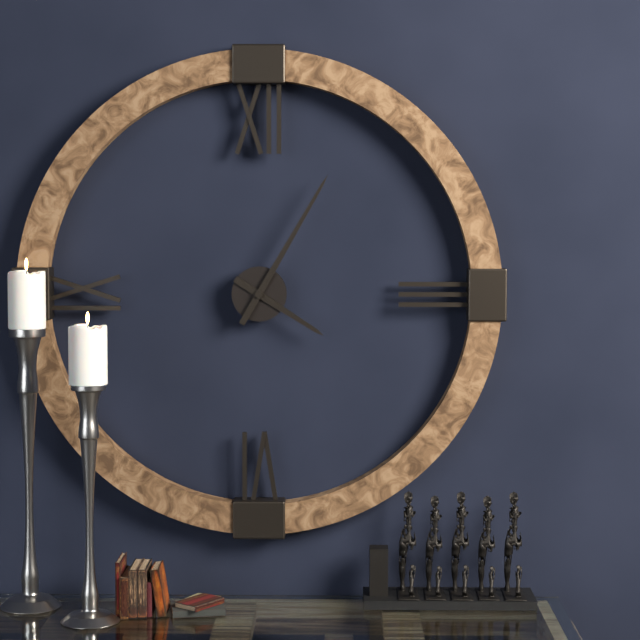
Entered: 4.05
